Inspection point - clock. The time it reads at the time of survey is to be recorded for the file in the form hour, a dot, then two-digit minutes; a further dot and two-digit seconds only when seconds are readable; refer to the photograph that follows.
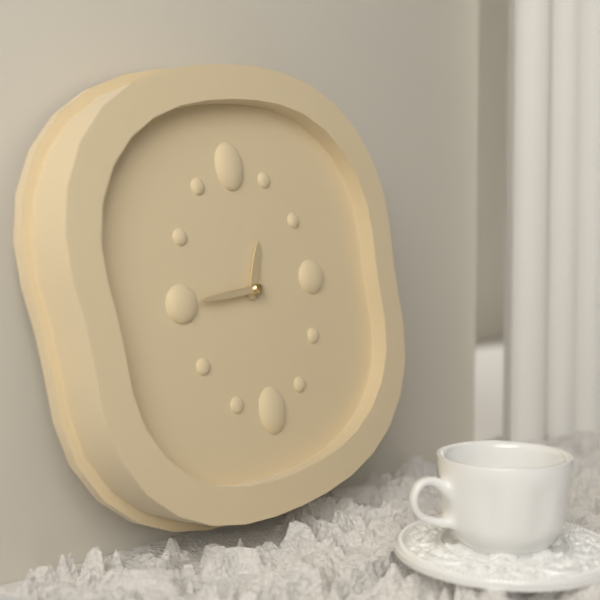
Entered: 12.45
